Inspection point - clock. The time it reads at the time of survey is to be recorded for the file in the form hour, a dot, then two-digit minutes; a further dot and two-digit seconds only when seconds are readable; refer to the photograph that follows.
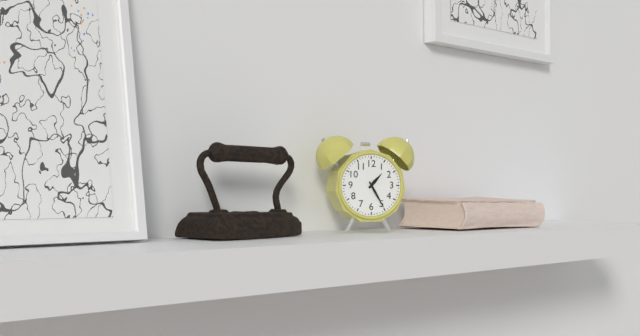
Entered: 1.25
